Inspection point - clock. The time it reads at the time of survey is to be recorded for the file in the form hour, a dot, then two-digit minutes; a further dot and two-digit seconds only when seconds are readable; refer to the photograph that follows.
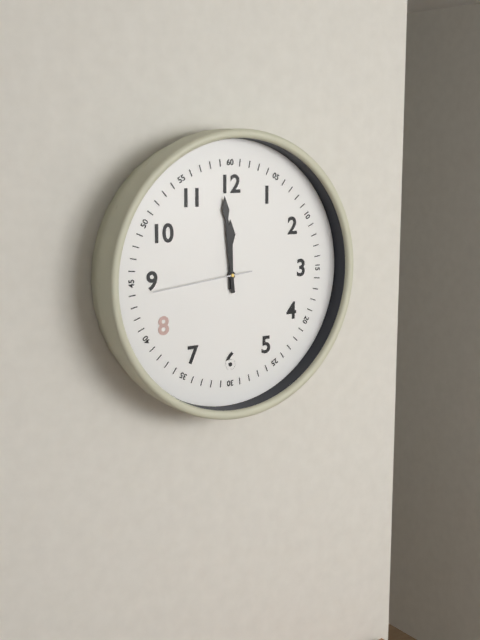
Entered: 11.59.44
